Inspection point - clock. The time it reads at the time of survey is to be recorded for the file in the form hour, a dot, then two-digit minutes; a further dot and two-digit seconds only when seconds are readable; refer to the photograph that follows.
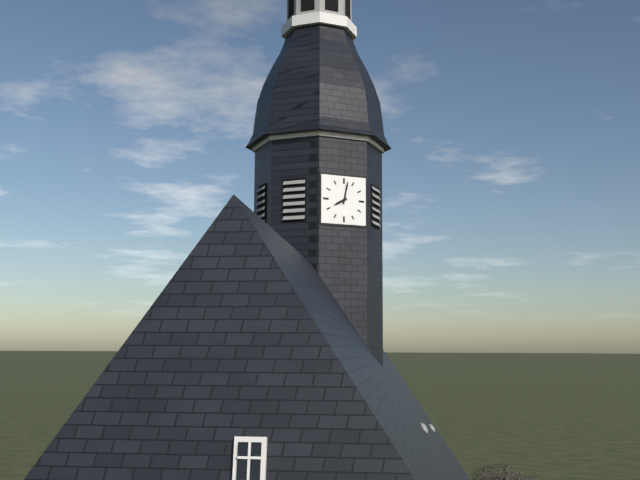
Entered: 8.02
